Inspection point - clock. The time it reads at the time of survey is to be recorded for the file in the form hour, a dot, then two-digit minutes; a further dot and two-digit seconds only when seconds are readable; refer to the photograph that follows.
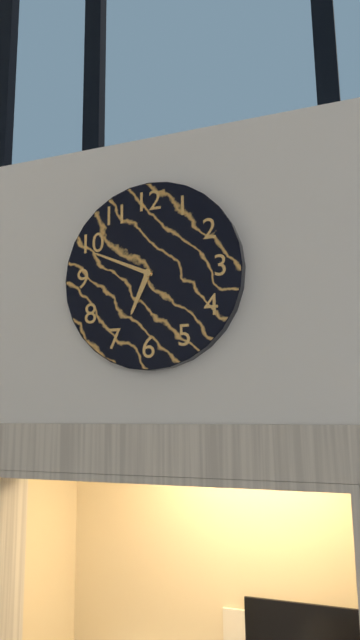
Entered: 6.49
